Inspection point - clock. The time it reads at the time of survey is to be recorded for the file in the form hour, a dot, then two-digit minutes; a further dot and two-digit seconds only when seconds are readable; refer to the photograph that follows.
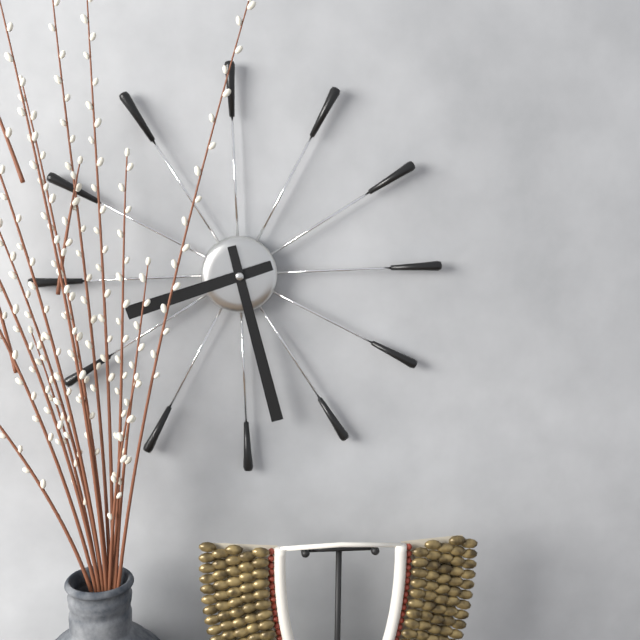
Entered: 8.28
